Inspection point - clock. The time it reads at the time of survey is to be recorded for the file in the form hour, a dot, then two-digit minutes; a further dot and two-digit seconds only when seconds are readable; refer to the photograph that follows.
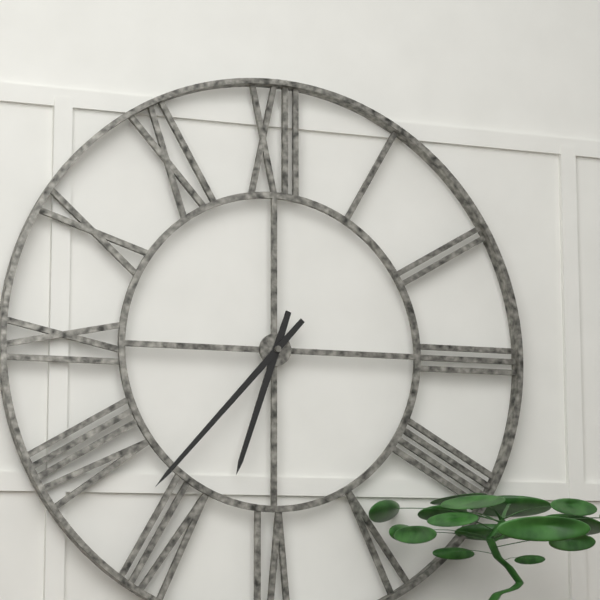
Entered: 6.37
